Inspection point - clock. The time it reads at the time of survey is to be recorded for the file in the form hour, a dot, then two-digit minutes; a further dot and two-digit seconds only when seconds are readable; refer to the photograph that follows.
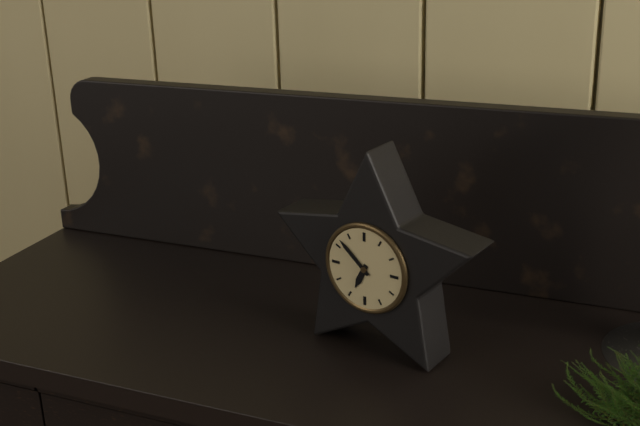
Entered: 6.52
